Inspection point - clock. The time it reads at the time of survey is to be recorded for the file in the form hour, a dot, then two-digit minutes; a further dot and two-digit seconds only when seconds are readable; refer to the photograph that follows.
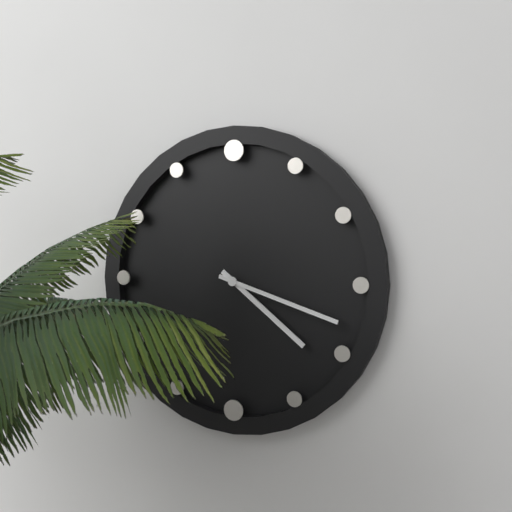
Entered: 4.18
